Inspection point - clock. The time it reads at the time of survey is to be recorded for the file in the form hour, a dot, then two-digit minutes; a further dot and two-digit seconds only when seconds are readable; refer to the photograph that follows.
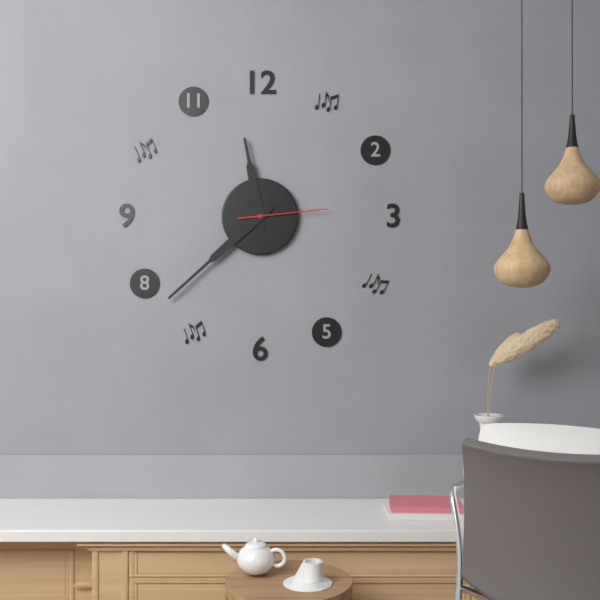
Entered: 11.38.14
